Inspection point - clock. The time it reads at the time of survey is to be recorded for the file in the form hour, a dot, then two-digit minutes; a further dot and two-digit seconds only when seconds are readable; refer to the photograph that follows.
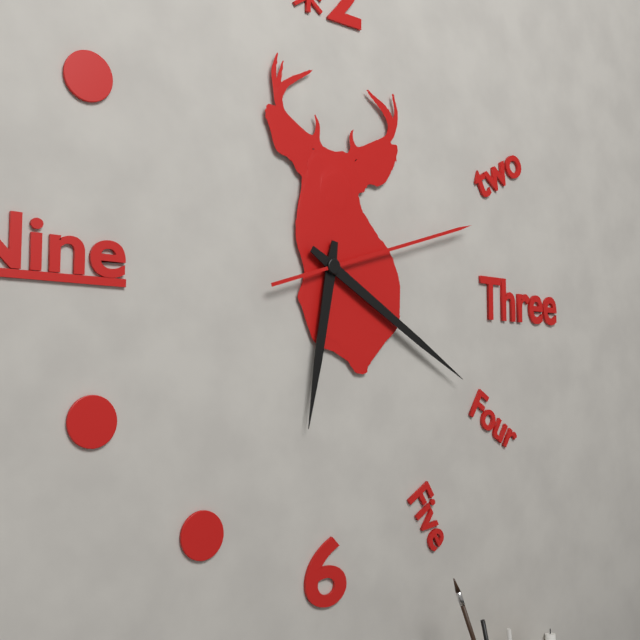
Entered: 6.20.12
